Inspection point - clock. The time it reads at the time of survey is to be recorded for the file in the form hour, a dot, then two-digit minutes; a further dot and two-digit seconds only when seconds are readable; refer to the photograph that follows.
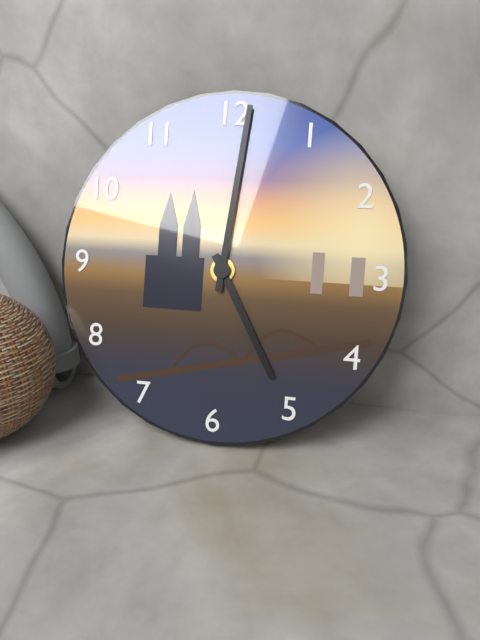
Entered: 5.01
